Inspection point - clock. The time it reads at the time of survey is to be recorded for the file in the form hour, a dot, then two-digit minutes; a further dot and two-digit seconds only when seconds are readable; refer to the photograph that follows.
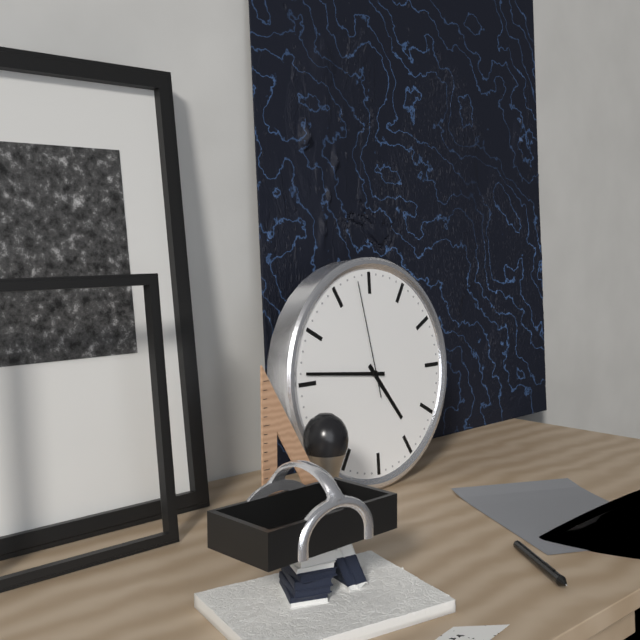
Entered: 4.46.58
